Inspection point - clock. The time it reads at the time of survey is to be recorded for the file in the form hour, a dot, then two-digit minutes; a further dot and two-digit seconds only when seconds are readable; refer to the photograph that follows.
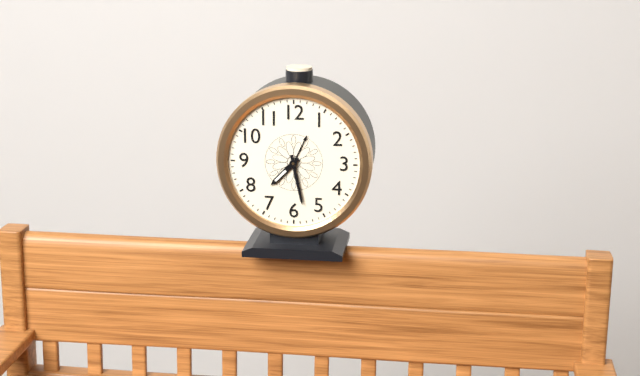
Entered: 7.28
